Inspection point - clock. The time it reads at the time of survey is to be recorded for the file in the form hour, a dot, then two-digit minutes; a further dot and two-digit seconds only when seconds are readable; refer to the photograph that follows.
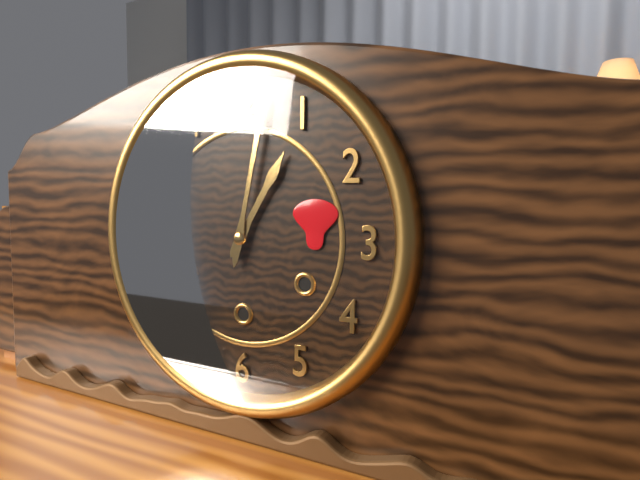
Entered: 1.02
